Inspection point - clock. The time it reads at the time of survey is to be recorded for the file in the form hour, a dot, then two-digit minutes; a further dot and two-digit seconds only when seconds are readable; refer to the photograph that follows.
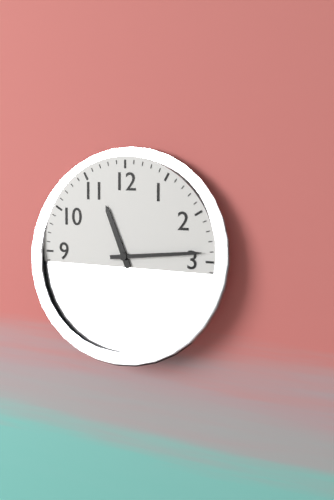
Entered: 11.14
